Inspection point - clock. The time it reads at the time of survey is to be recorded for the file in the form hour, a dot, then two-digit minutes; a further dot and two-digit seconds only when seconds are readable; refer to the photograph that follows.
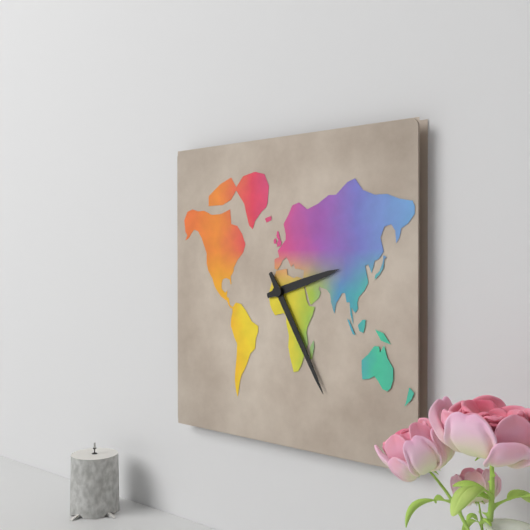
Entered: 2.25
